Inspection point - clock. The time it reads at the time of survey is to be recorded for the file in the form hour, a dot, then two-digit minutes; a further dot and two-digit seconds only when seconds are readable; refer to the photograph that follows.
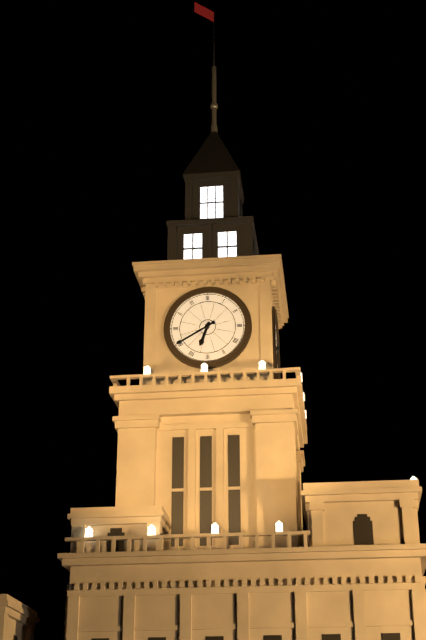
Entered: 6.40
